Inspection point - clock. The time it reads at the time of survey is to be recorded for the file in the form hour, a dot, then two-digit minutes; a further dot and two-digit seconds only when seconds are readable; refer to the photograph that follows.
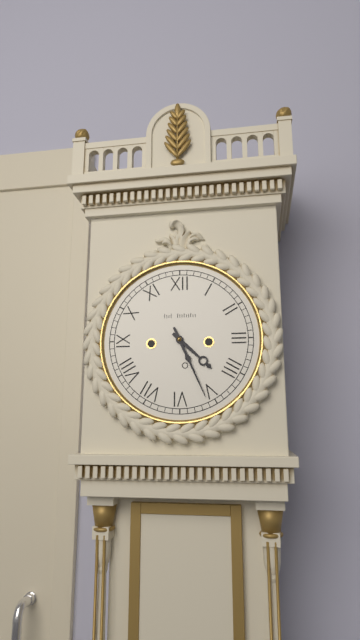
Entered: 4.26
